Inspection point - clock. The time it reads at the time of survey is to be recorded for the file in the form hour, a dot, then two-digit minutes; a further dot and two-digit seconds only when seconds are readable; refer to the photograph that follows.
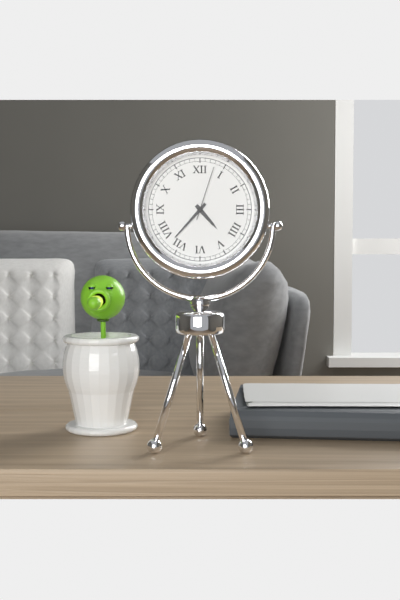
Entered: 4.37.03
